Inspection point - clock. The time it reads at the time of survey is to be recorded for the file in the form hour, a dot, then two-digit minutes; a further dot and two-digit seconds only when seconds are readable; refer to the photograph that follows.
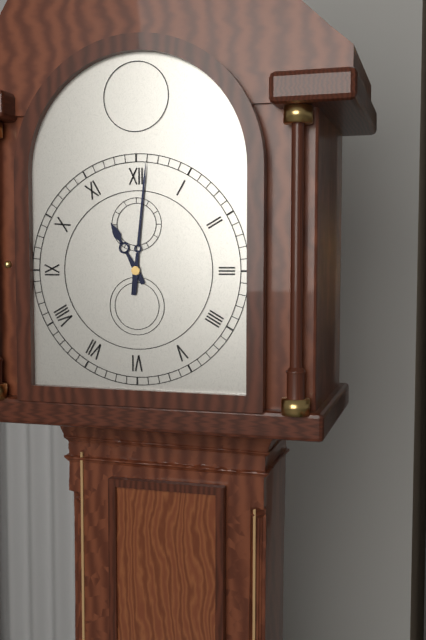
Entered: 11.01
